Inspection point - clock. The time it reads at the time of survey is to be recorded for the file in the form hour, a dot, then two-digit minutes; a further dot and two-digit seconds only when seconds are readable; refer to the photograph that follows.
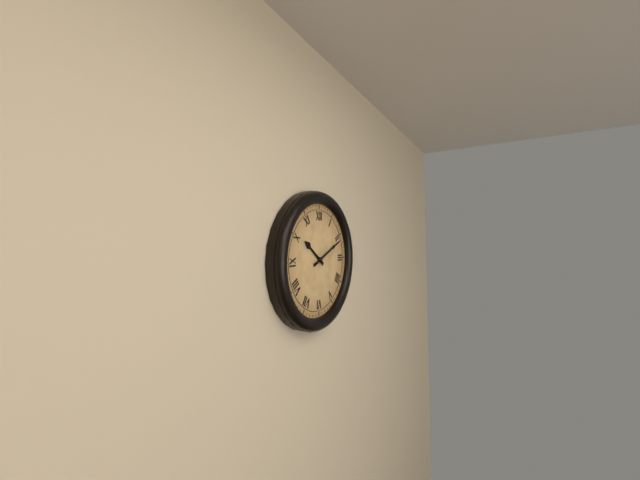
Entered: 10.11
